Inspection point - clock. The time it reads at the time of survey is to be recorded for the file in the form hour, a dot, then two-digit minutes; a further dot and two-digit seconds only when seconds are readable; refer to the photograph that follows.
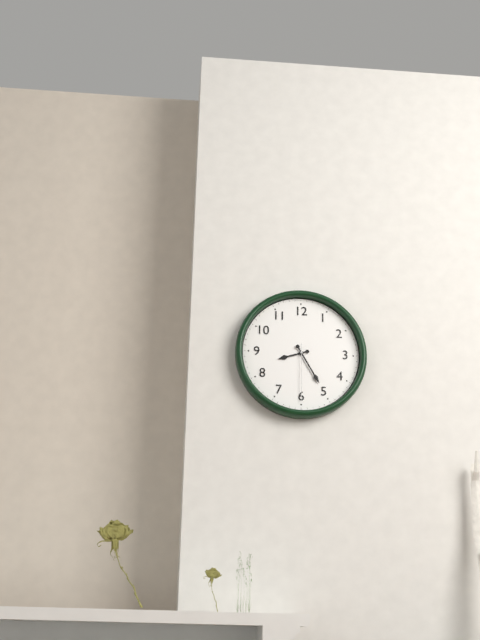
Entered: 8.25.30
